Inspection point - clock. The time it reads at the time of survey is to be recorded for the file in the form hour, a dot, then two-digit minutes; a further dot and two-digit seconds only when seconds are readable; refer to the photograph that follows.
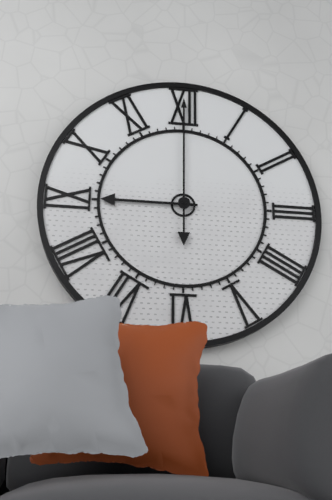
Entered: 9.00
